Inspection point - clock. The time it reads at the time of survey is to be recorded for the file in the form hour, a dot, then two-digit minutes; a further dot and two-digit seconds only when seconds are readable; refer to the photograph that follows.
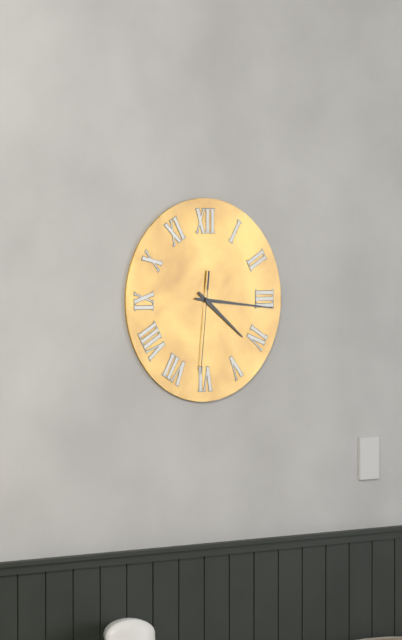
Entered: 4.16.31
